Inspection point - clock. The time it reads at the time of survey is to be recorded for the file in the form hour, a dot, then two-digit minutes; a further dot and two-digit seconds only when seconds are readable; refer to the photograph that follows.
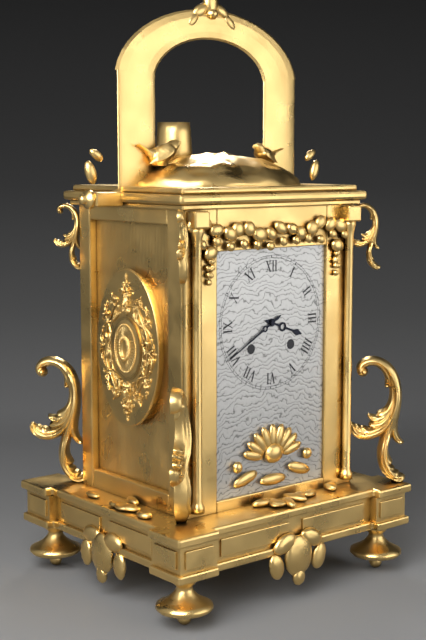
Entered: 3.40
